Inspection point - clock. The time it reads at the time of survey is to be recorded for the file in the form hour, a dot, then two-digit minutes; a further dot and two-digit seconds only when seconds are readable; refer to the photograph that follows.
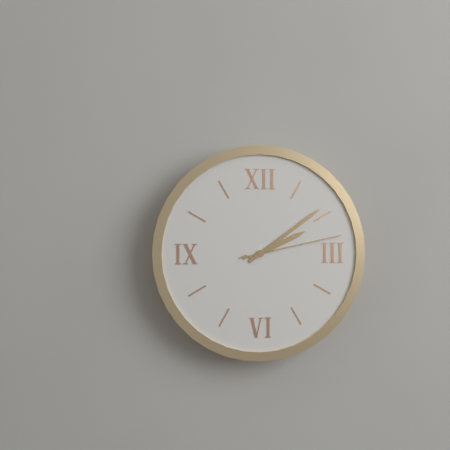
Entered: 2.09.13
